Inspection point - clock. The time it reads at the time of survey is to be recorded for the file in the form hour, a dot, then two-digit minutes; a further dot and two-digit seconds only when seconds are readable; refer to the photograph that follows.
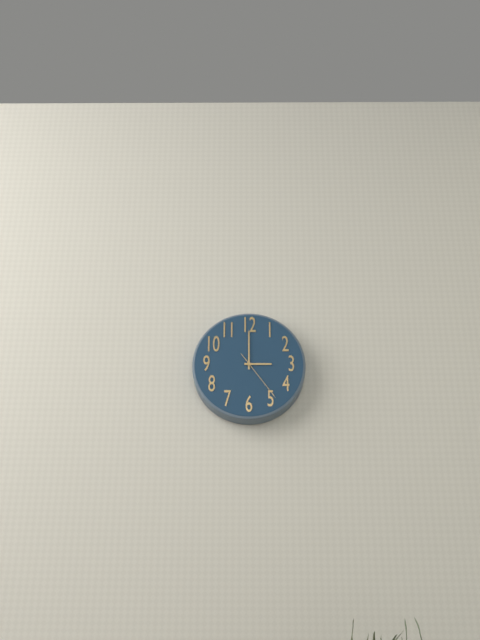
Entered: 3.00.24
